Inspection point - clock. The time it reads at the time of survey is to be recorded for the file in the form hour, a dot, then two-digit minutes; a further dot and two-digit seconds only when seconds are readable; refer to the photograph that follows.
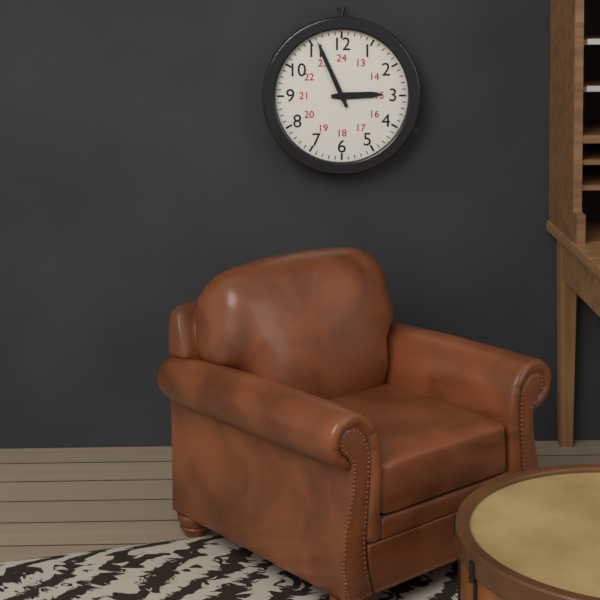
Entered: 2.56
